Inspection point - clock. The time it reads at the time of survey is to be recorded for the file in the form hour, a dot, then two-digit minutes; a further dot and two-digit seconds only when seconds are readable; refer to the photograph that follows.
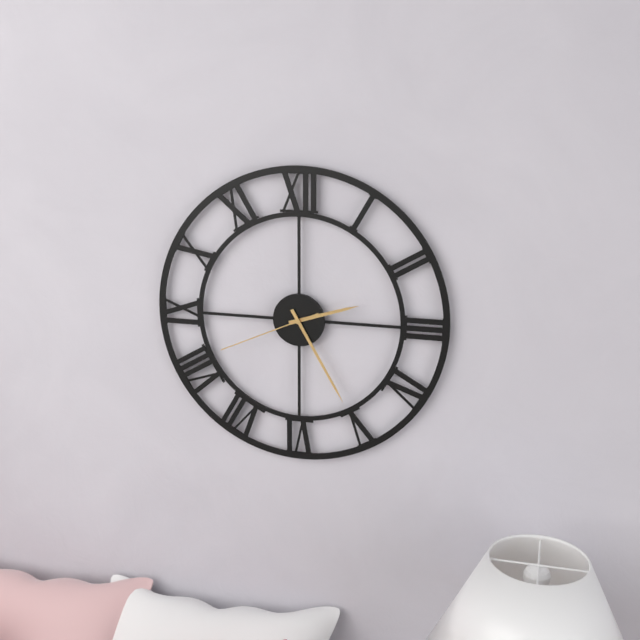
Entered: 2.25.41
